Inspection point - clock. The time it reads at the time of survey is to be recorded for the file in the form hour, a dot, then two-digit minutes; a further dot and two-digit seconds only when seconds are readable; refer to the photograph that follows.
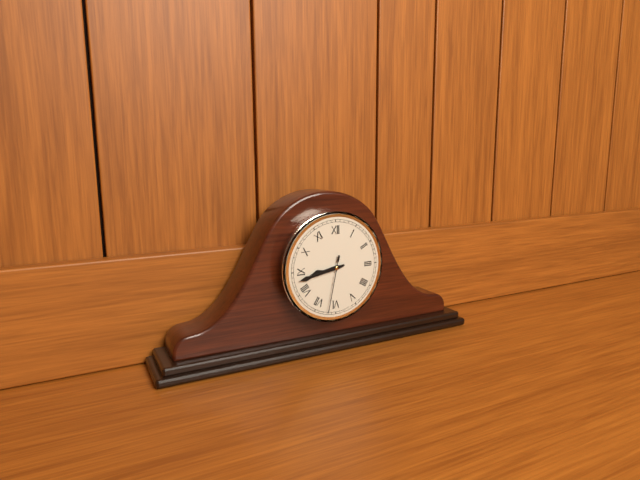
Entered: 8.43.32
